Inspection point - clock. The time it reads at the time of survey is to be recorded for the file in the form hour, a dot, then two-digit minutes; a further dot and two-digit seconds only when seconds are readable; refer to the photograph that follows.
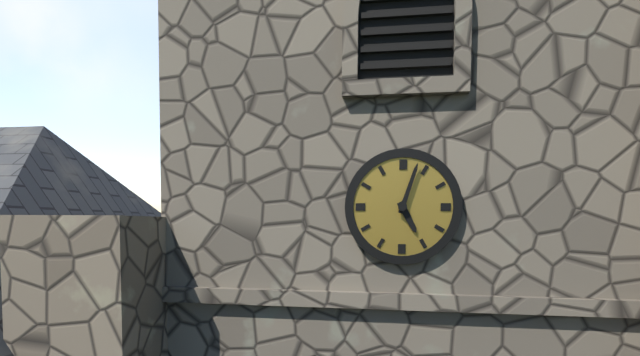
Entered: 5.03
